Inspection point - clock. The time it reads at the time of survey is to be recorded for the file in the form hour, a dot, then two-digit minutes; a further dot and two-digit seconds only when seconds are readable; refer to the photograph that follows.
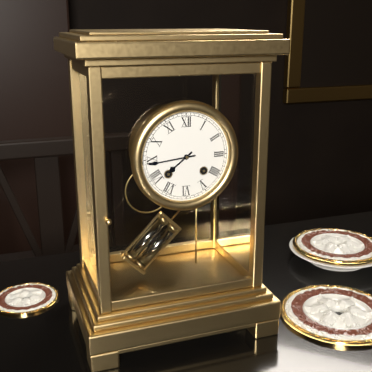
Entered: 7.44
